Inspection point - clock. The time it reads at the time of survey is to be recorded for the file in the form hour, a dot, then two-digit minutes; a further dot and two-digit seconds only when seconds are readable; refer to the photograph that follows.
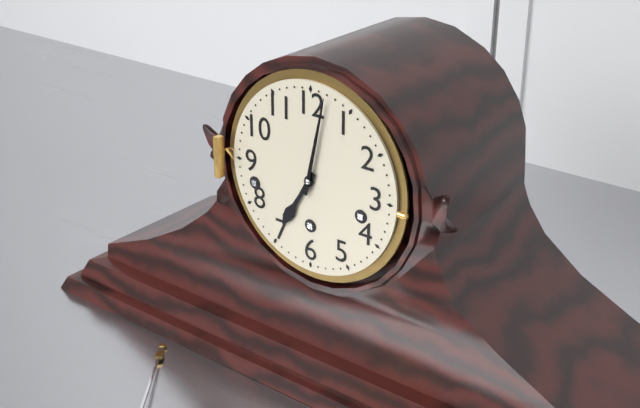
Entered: 7.02
